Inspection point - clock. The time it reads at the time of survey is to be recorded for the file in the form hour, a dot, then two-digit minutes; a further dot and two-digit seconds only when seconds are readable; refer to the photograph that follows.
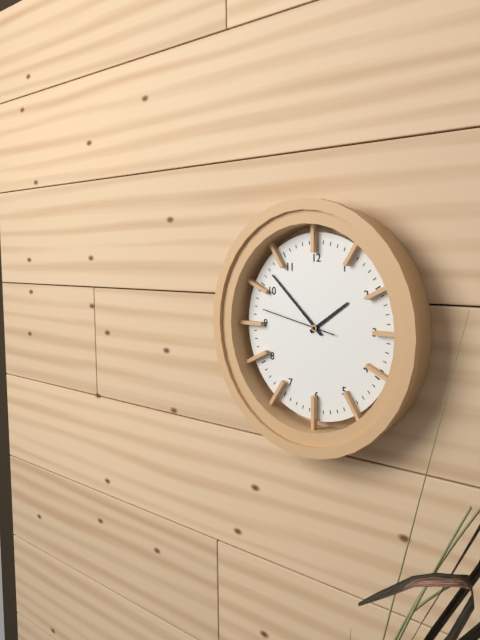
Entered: 1.52.47
